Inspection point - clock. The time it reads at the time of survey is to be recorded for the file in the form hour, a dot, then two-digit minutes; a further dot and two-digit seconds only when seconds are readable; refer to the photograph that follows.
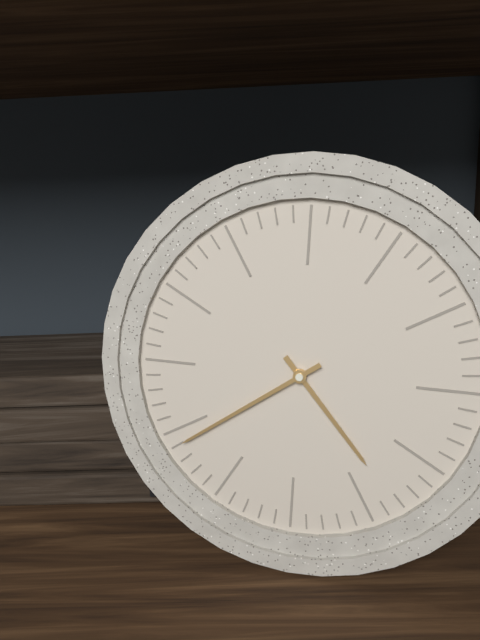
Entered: 4.39
